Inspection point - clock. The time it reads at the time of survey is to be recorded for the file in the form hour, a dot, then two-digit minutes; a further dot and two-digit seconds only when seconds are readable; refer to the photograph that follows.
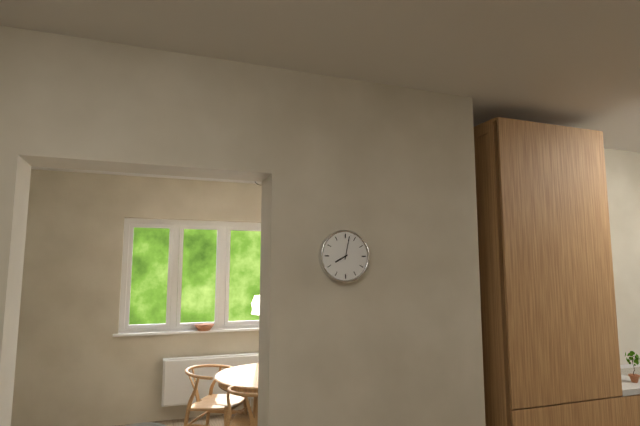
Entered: 8.02
